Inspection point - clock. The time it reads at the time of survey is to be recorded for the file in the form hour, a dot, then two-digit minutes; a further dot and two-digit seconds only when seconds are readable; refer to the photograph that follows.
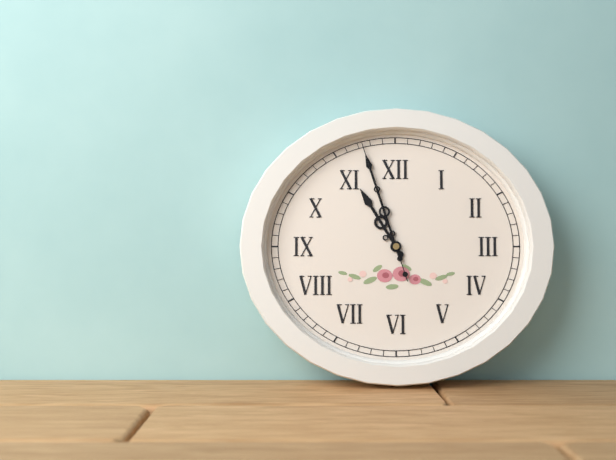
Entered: 10.57.57
